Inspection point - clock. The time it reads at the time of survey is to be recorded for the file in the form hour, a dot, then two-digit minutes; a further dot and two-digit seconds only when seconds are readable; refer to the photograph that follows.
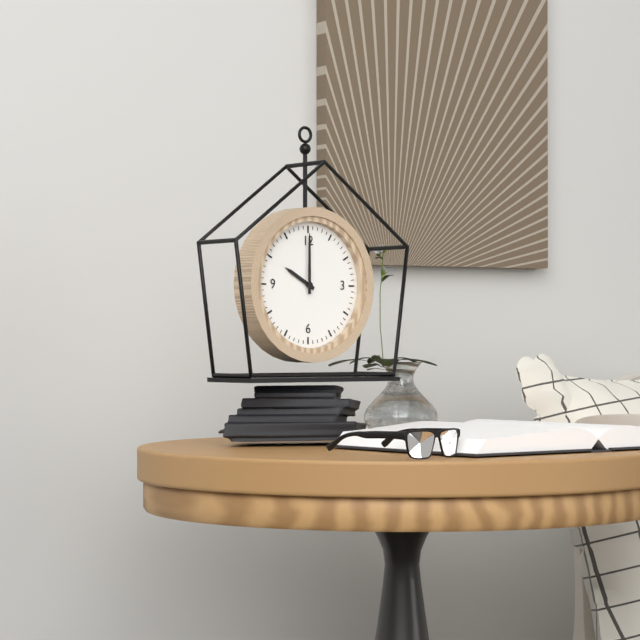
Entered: 10.00
